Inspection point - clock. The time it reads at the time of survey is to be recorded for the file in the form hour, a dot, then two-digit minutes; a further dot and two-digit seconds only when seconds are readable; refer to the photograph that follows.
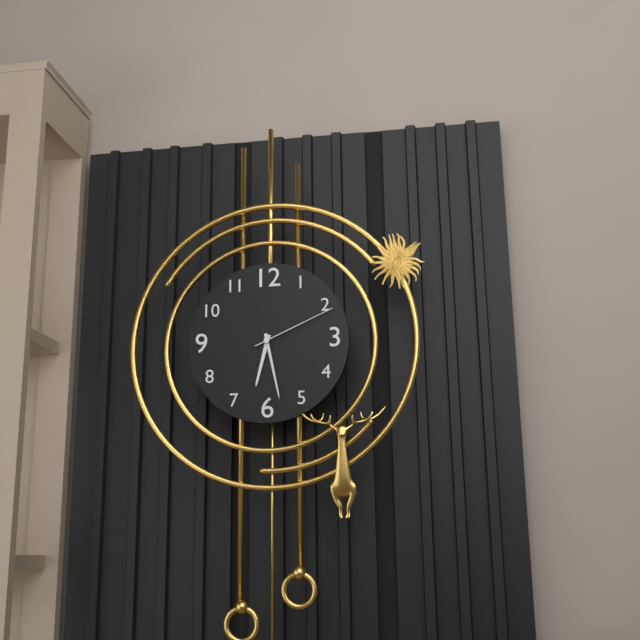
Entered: 6.28.11
